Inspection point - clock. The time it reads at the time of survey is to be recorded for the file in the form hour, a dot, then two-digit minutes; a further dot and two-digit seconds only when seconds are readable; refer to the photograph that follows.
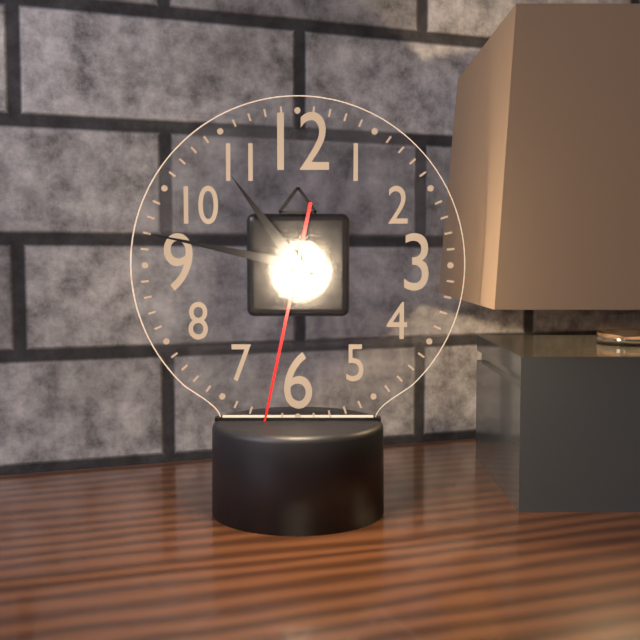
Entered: 10.47.32
